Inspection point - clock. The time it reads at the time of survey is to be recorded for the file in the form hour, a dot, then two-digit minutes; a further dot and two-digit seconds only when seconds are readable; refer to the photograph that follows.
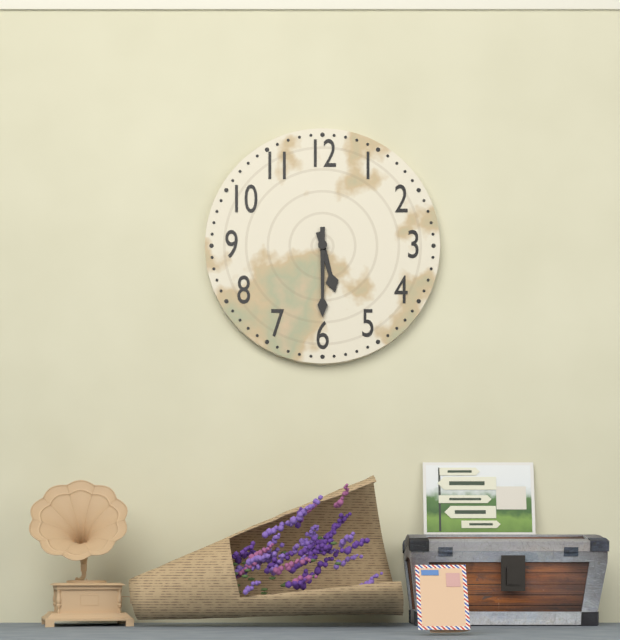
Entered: 5.30
